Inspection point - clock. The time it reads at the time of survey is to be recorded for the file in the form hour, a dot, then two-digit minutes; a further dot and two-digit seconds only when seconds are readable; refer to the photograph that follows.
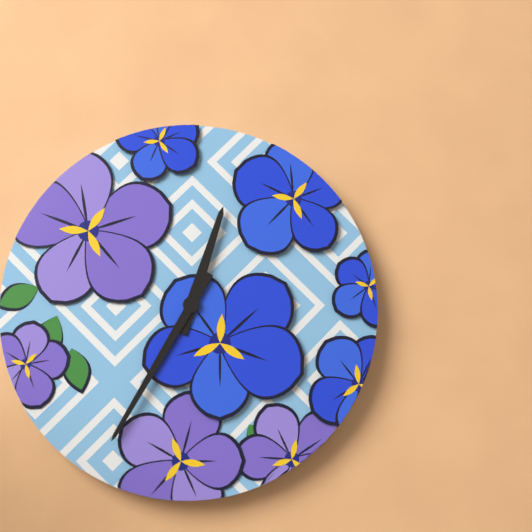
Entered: 12.35
